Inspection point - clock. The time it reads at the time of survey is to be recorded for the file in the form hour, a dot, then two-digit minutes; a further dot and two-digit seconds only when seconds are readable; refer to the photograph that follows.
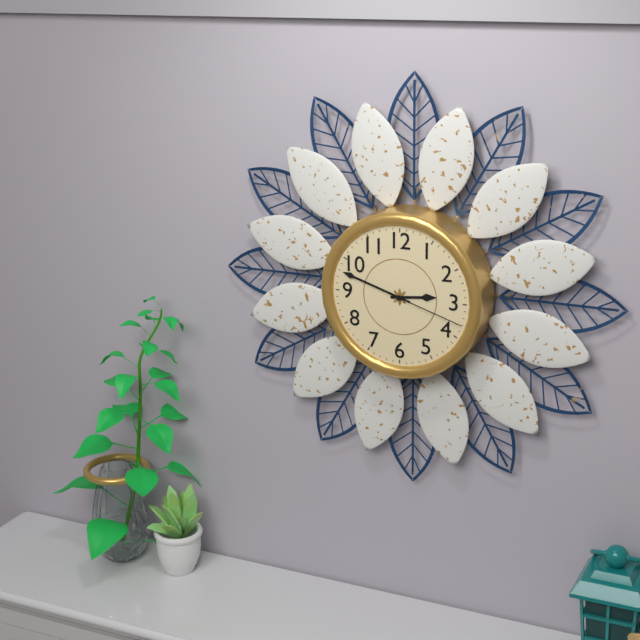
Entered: 2.48.18
